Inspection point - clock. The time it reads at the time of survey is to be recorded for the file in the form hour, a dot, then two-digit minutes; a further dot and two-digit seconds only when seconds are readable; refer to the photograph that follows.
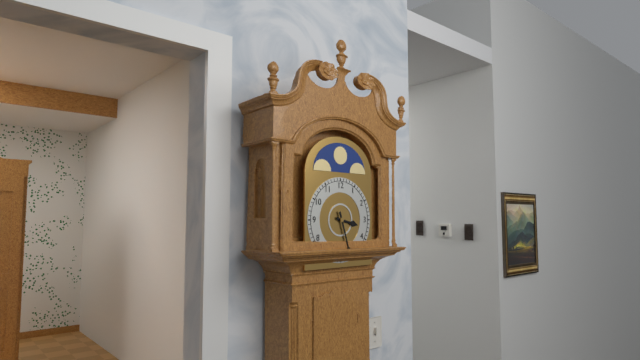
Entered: 3.27
